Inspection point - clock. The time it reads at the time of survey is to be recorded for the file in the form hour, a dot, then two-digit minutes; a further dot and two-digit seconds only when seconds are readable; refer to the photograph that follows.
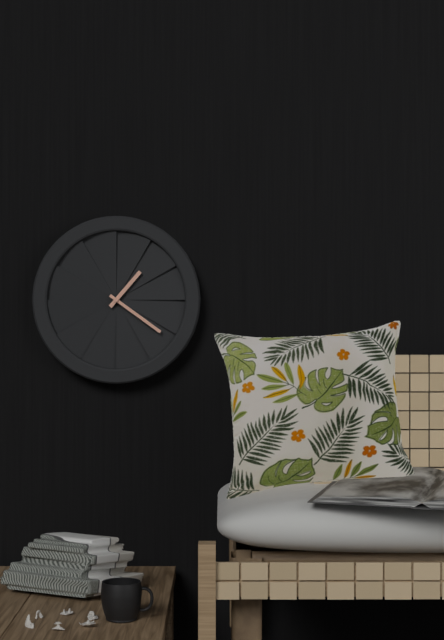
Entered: 1.21
